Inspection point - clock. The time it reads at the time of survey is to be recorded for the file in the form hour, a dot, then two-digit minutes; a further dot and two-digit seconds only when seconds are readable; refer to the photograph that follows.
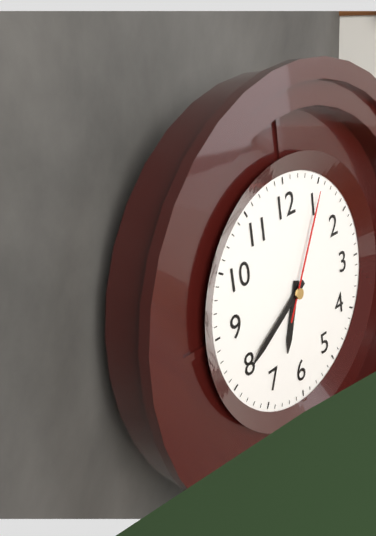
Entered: 6.40.05
